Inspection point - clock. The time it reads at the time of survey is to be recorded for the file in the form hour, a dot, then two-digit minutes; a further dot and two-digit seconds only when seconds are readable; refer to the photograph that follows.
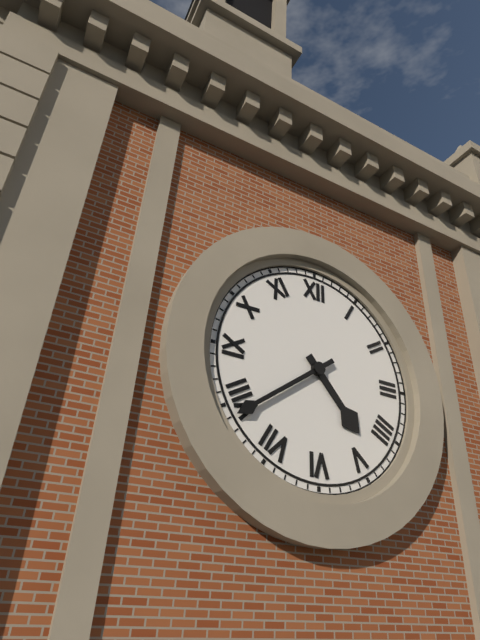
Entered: 4.39
